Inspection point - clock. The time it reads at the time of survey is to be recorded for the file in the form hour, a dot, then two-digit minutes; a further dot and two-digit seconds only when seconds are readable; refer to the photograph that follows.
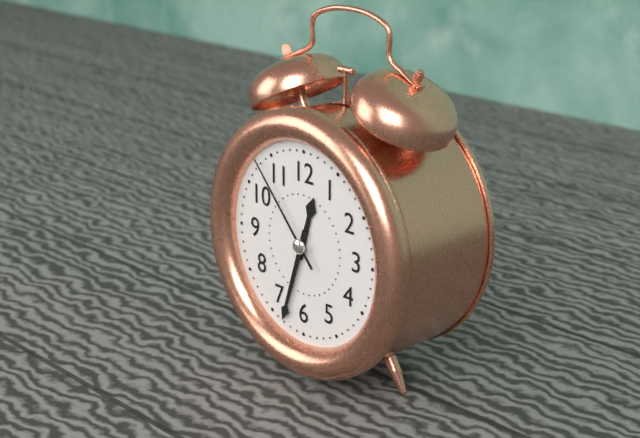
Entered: 12.33.53
